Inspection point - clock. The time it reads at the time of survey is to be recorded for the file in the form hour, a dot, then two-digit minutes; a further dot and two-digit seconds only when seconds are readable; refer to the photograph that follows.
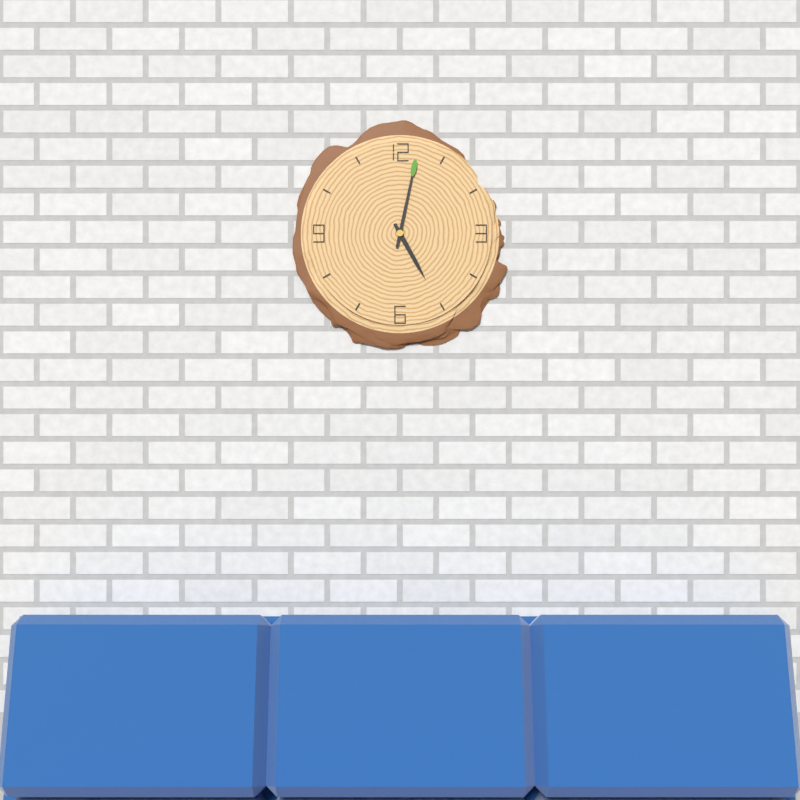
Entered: 5.02
